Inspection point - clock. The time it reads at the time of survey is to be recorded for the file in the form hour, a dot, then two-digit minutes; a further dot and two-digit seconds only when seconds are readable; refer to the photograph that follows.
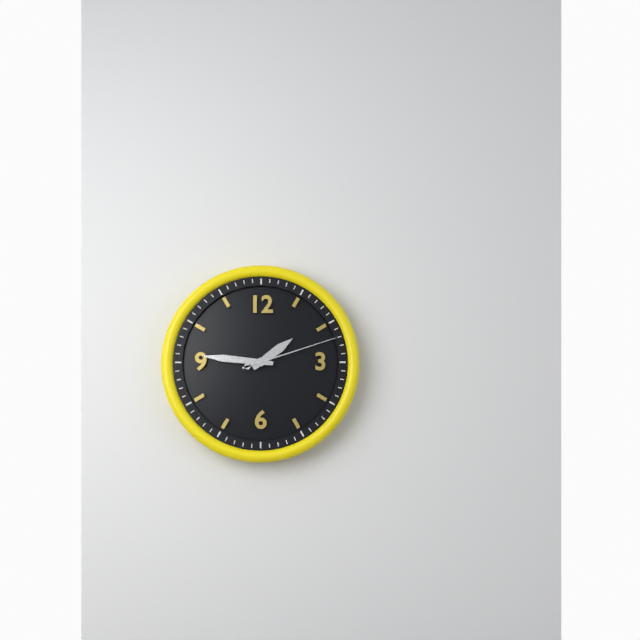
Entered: 1.46.12
